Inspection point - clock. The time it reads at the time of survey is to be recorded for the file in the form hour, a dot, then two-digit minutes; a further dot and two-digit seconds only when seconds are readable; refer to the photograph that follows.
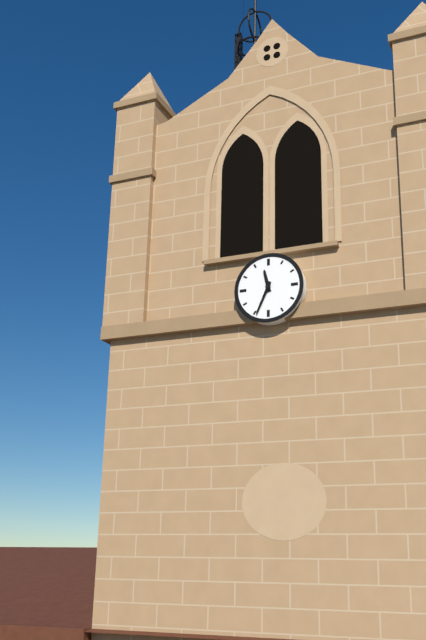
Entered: 11.34
